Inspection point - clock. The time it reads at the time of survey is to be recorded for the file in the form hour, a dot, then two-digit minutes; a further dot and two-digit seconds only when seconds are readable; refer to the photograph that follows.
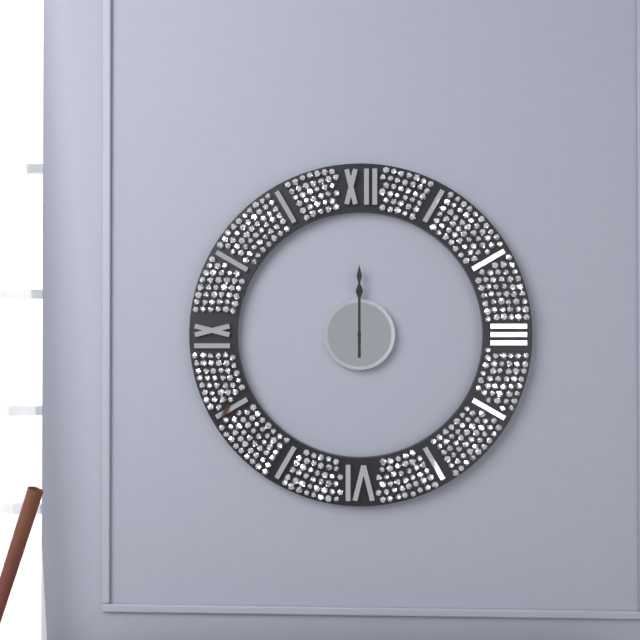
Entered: 12.00
